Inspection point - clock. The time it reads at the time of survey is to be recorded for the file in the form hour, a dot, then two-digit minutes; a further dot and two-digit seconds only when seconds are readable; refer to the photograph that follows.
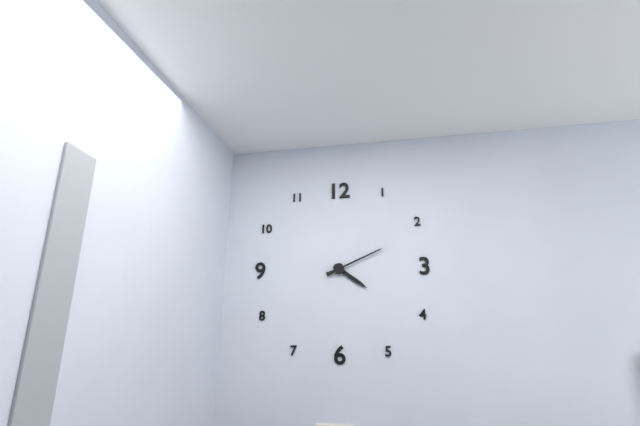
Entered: 4.11
